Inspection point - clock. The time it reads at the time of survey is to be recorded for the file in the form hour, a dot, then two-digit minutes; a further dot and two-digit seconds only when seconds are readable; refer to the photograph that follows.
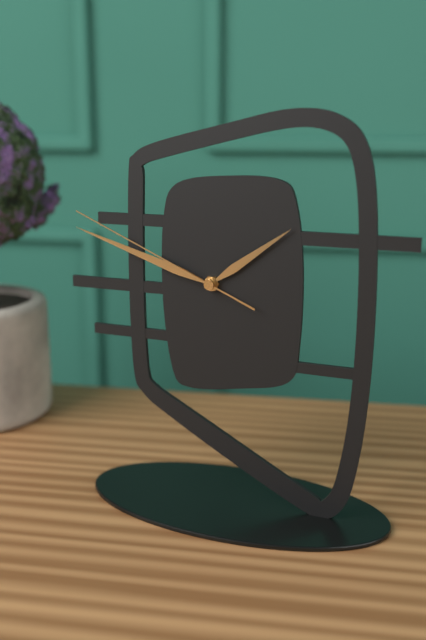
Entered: 1.48.49
